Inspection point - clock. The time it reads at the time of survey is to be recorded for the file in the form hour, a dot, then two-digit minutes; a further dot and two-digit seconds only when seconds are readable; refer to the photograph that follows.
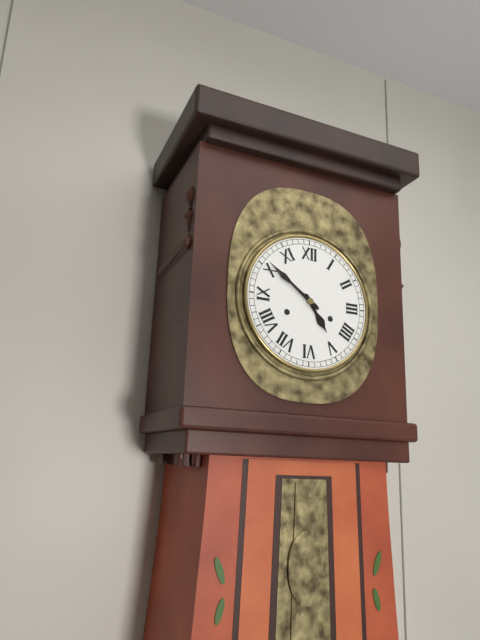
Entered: 4.51
